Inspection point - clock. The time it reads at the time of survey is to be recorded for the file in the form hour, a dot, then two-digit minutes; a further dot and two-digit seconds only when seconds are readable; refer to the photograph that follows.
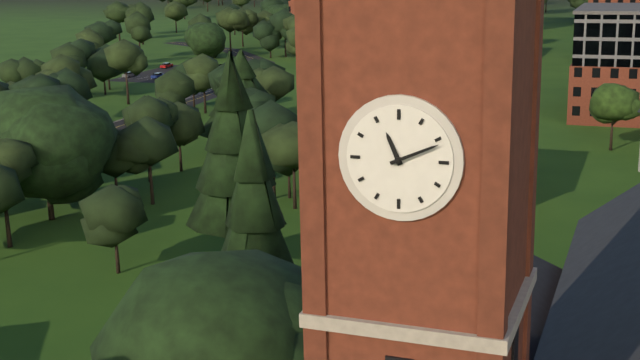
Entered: 11.11
